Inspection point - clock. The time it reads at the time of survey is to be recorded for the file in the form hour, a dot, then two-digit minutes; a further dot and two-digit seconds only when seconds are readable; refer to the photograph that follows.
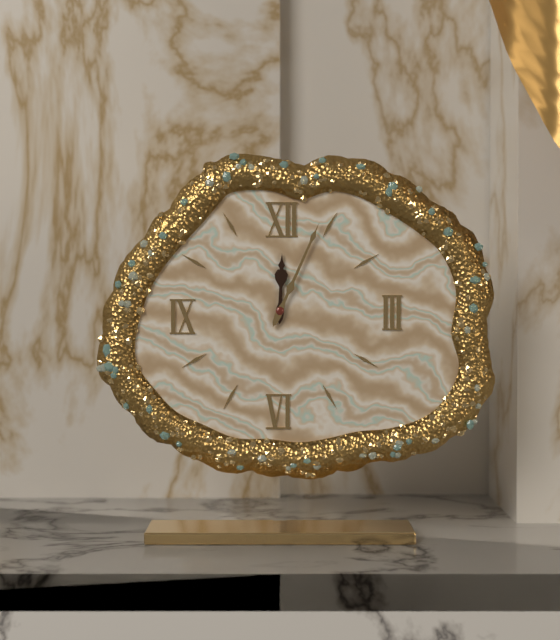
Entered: 12.04
